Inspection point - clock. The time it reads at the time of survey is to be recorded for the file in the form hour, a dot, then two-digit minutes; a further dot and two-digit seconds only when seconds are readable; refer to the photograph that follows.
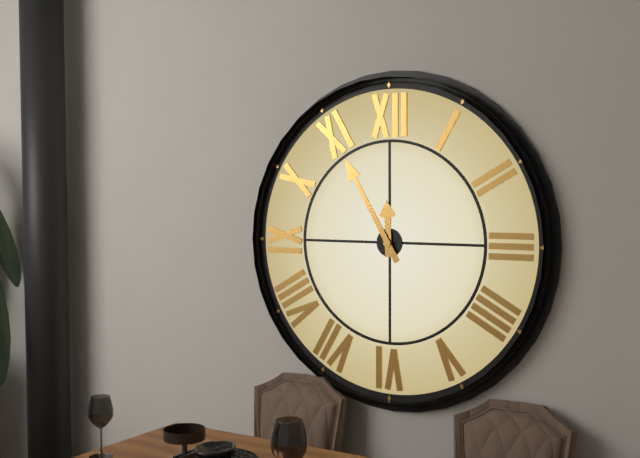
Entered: 11.55
